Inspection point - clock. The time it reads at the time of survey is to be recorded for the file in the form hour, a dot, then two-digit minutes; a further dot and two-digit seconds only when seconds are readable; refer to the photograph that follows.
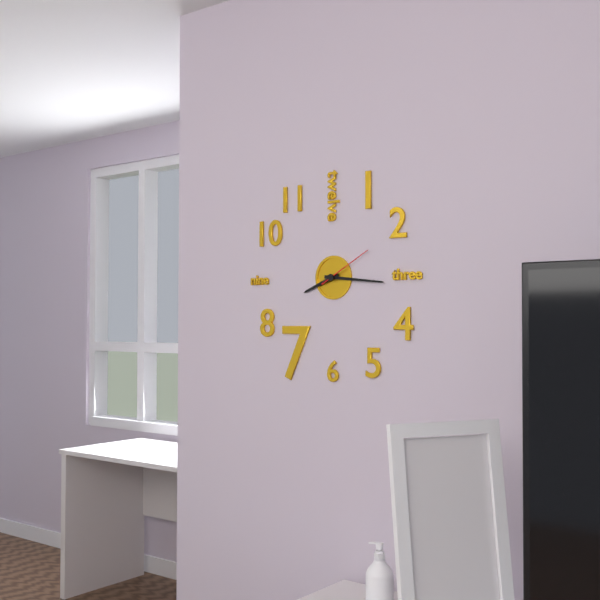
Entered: 8.16.10
